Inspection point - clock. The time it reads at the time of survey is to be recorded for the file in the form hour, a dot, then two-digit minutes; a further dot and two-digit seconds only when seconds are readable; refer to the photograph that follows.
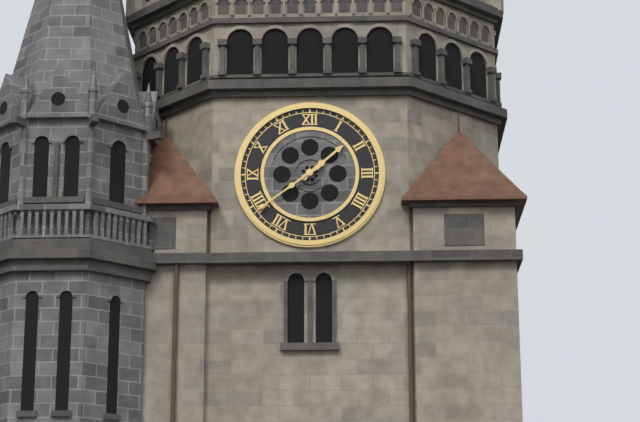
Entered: 1.39
